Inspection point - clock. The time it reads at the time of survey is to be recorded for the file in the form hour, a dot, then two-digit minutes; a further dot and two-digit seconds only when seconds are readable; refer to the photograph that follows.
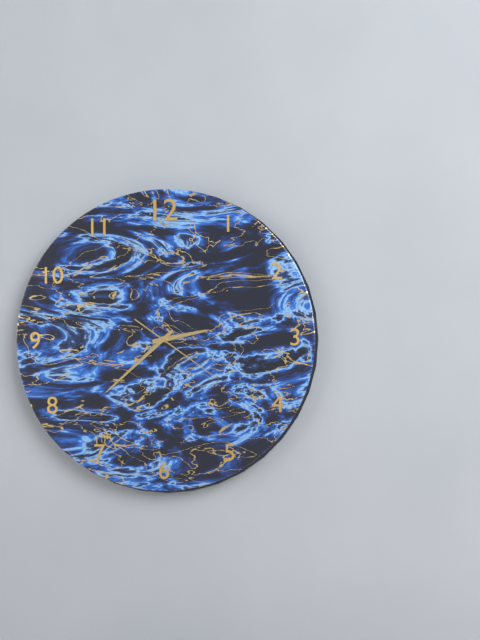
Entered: 2.38.21
